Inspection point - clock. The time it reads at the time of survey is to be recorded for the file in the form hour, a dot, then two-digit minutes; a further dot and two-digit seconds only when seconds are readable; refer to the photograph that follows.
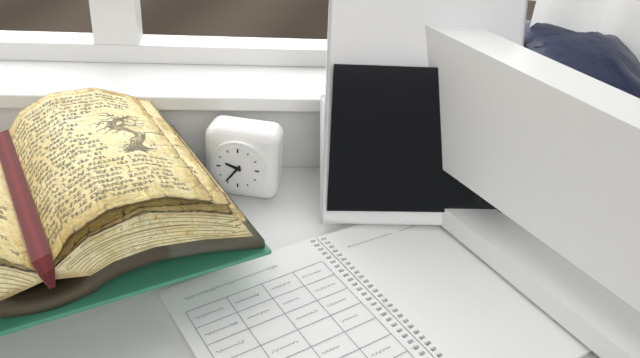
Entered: 9.36
